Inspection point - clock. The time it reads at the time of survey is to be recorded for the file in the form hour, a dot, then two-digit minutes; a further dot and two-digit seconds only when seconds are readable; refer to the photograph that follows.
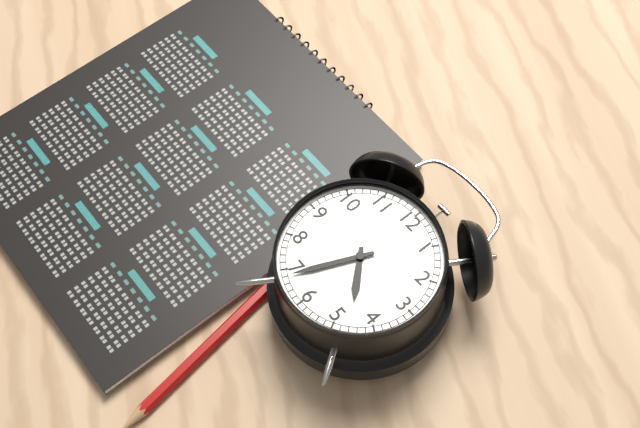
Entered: 4.34
